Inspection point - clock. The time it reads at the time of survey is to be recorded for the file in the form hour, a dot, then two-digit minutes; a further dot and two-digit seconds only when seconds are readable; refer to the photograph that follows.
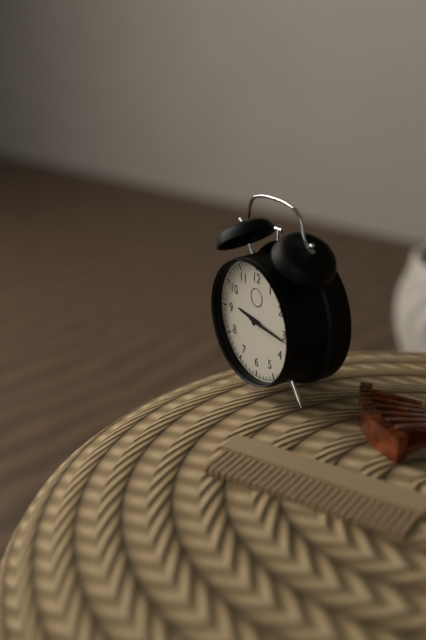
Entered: 9.16
